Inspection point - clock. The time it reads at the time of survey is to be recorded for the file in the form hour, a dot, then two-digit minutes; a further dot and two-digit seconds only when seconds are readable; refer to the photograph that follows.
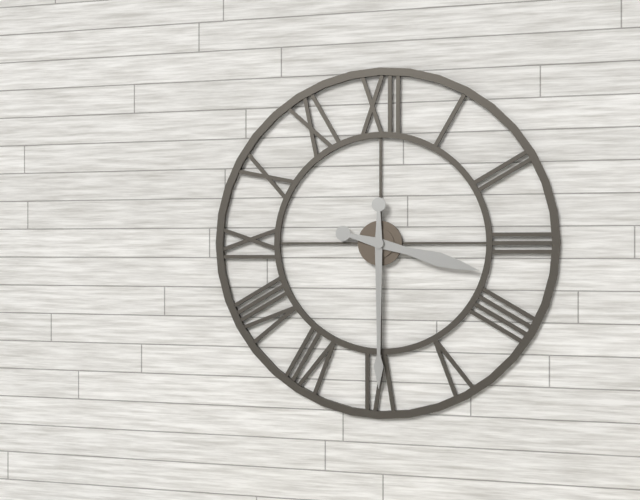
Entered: 3.30
